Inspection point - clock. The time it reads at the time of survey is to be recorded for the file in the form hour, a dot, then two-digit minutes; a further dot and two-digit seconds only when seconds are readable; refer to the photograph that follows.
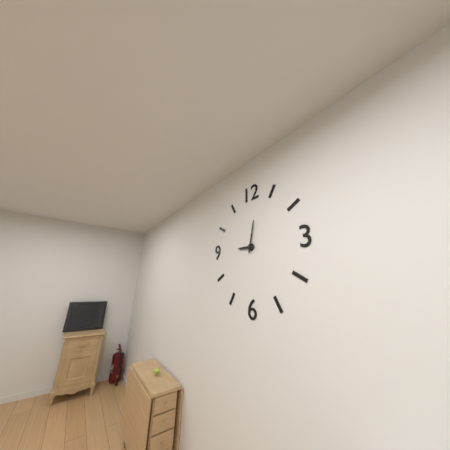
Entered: 9.02
